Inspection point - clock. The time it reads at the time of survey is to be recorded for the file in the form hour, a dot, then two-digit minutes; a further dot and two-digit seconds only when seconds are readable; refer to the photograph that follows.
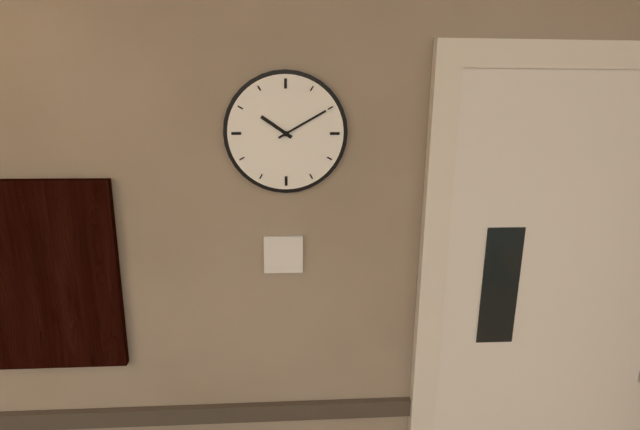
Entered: 10.10
